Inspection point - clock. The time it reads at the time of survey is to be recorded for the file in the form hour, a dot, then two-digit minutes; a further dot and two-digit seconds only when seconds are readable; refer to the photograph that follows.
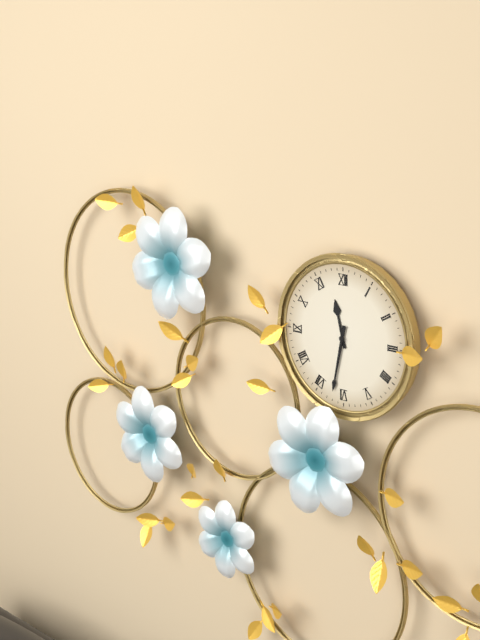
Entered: 11.32
